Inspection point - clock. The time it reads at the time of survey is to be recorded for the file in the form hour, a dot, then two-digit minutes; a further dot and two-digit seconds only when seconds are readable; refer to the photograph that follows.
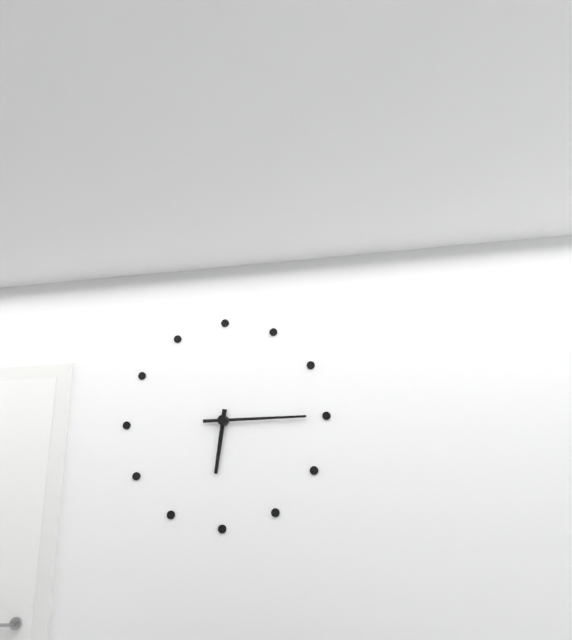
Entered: 6.15
